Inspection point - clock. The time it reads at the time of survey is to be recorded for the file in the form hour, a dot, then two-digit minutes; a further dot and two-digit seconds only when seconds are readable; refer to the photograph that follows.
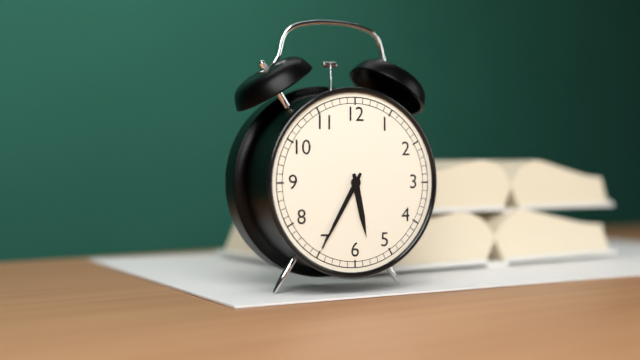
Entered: 5.35
